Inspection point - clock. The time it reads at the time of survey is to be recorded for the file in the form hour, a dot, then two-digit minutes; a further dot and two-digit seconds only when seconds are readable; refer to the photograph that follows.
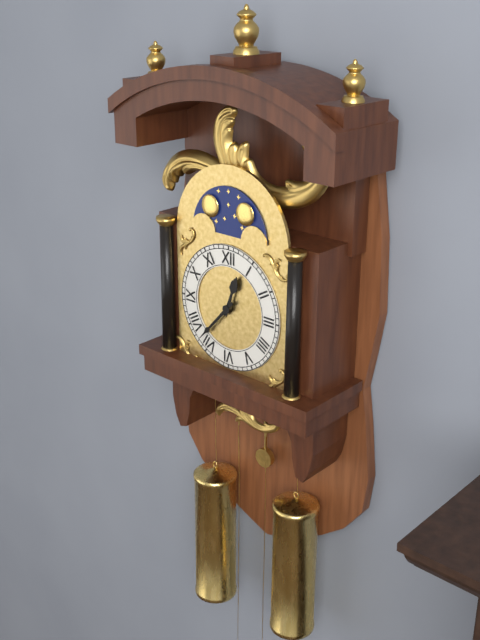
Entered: 12.37
